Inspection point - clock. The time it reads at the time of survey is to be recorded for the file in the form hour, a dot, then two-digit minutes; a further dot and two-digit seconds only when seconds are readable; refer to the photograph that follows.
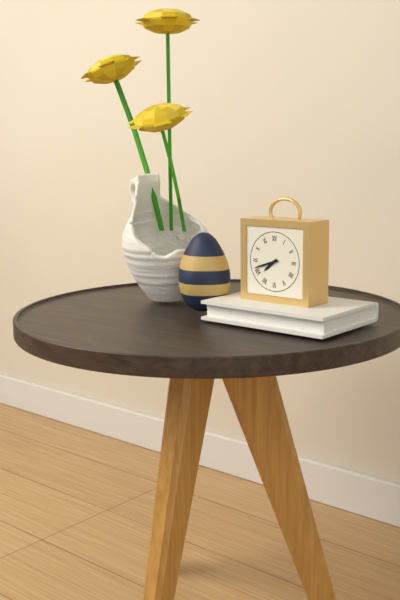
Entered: 7.42
